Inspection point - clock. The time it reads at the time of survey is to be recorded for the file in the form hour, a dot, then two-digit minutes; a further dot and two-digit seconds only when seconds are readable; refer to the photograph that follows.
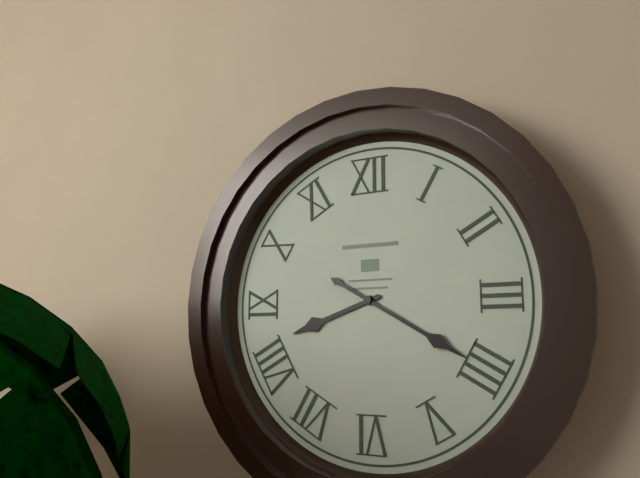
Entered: 8.20
